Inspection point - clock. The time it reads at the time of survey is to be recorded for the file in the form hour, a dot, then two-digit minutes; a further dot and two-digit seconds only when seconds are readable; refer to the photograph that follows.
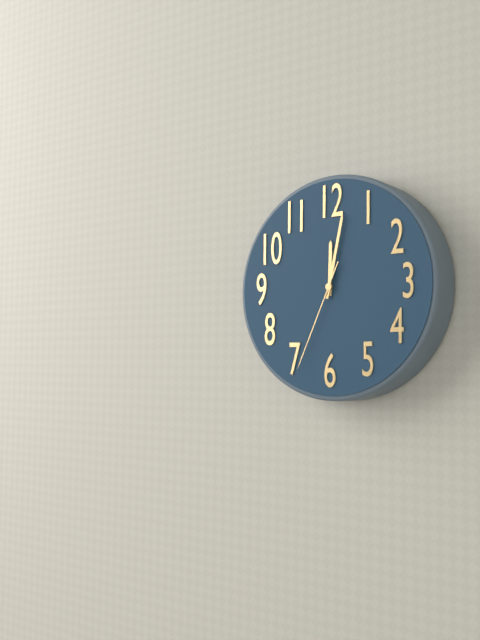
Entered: 12.02.34
